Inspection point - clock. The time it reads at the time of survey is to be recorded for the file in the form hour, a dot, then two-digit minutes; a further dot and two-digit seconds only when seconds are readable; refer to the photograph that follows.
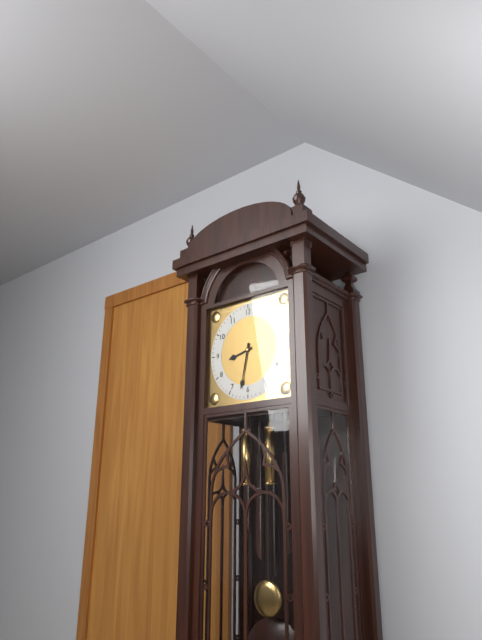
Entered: 8.32
